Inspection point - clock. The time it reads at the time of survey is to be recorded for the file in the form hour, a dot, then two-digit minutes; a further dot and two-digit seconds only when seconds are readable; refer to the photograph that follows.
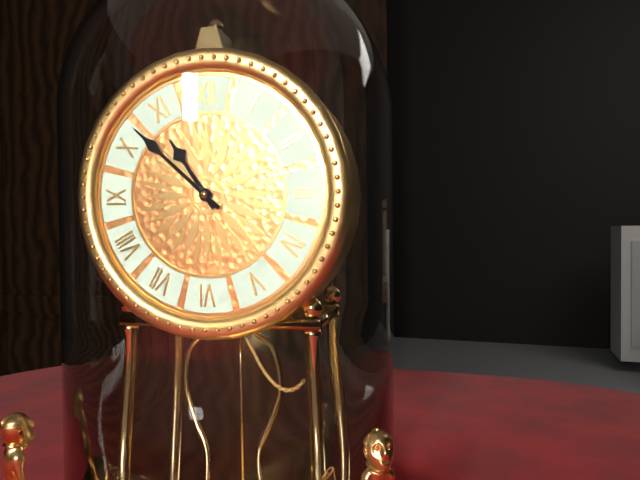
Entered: 10.52
